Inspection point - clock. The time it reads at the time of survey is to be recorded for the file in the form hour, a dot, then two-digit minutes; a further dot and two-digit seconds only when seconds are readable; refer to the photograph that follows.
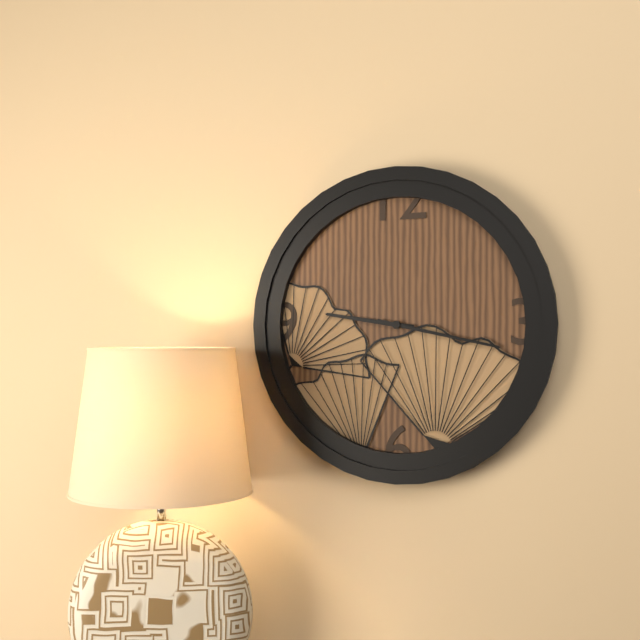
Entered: 9.17
